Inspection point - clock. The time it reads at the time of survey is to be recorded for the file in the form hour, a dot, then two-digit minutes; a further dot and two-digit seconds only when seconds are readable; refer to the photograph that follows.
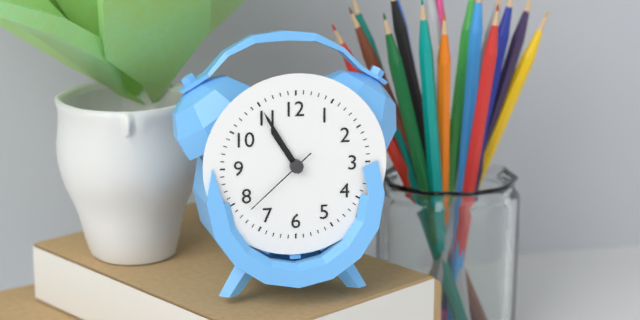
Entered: 10.55.38
